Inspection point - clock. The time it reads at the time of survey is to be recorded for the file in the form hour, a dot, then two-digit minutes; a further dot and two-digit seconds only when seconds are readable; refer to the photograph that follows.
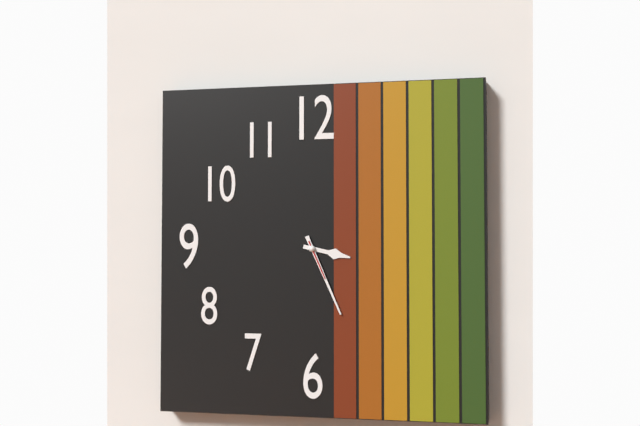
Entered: 3.26
